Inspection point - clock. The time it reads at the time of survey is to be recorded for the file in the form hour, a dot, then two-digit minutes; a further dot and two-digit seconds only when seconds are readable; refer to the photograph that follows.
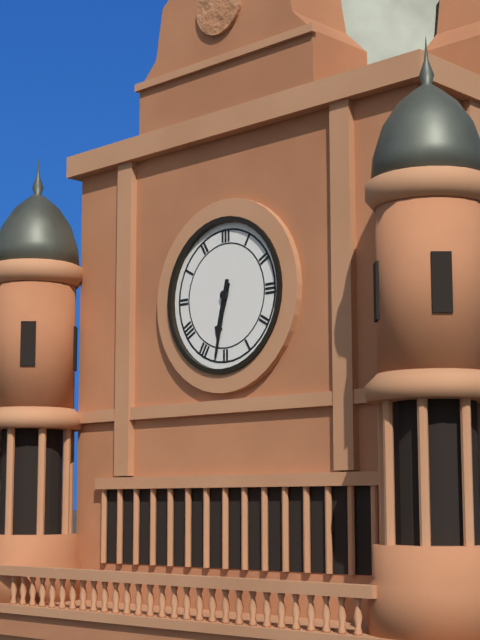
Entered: 6.32
